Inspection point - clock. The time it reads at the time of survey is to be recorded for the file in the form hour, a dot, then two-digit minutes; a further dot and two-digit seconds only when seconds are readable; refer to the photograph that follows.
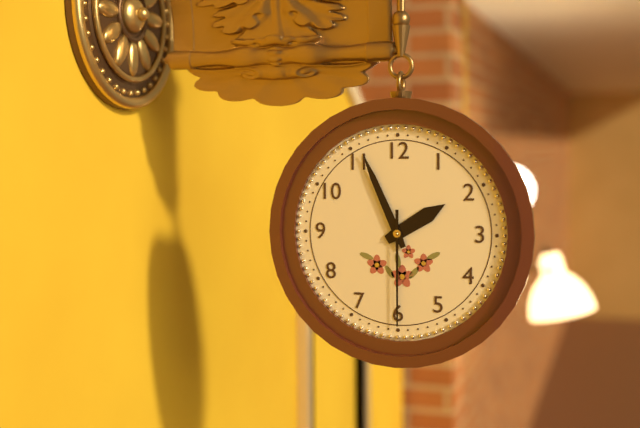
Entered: 1.56.30
